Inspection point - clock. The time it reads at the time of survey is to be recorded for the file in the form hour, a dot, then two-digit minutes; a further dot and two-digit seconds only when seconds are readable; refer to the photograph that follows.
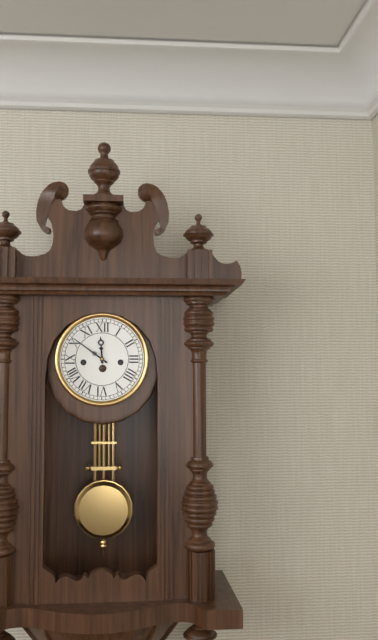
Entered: 11.51
